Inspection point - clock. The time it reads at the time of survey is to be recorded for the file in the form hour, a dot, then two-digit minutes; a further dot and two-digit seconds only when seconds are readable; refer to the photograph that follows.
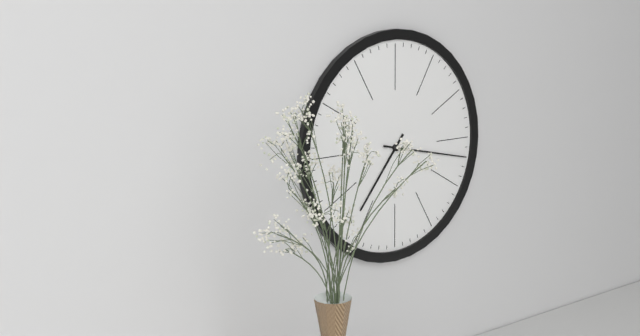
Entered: 7.17
